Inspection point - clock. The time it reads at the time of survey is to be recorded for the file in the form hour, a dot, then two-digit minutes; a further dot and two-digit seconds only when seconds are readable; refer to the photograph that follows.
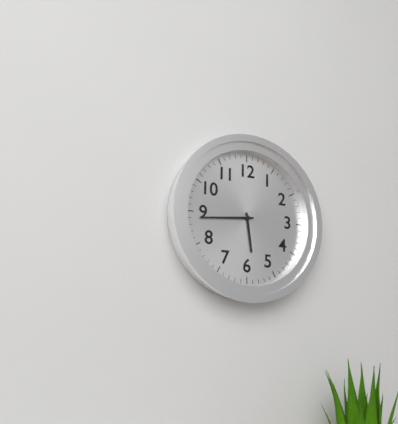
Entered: 5.44
